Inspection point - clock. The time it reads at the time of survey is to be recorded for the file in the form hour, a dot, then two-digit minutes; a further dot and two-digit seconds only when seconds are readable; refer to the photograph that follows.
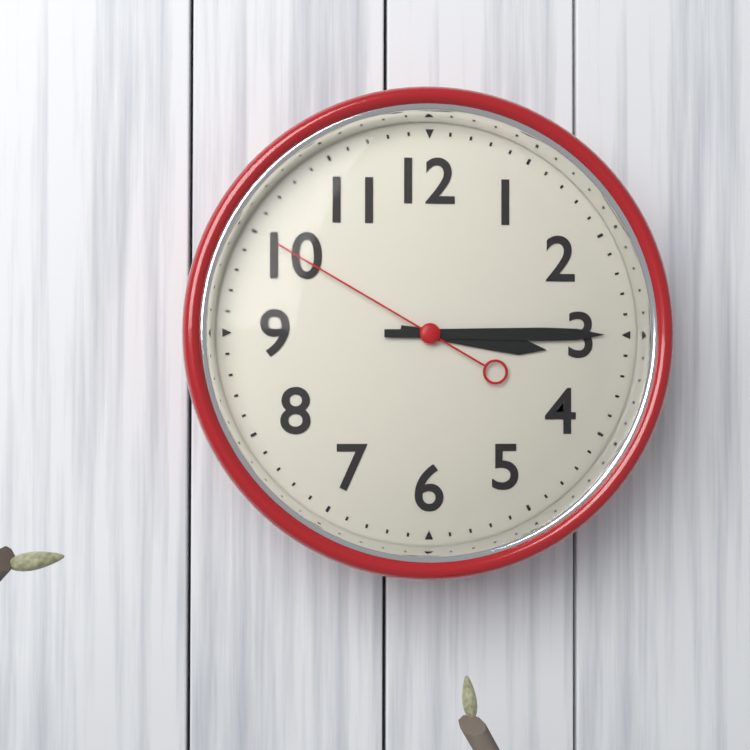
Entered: 3.15.50
